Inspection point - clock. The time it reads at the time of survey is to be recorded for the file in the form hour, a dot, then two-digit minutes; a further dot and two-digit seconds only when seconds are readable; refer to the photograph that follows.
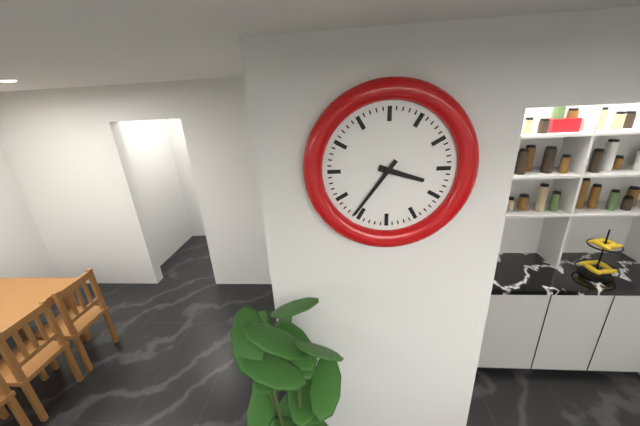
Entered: 3.36
